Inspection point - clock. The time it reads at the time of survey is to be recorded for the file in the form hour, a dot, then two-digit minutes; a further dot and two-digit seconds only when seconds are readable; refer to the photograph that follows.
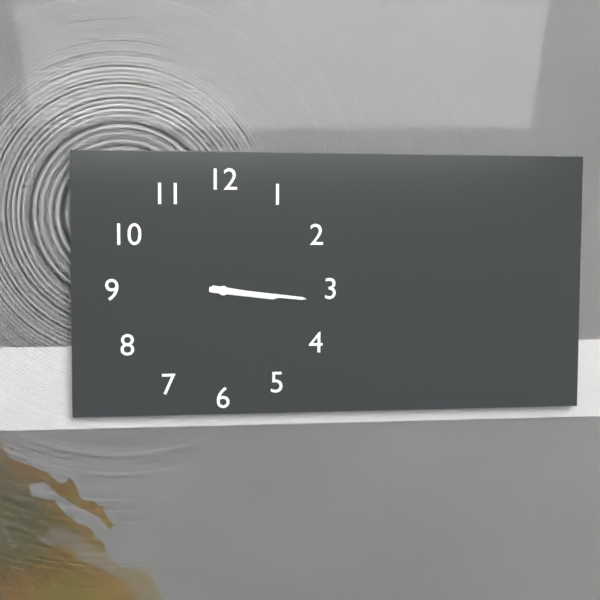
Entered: 3.16
